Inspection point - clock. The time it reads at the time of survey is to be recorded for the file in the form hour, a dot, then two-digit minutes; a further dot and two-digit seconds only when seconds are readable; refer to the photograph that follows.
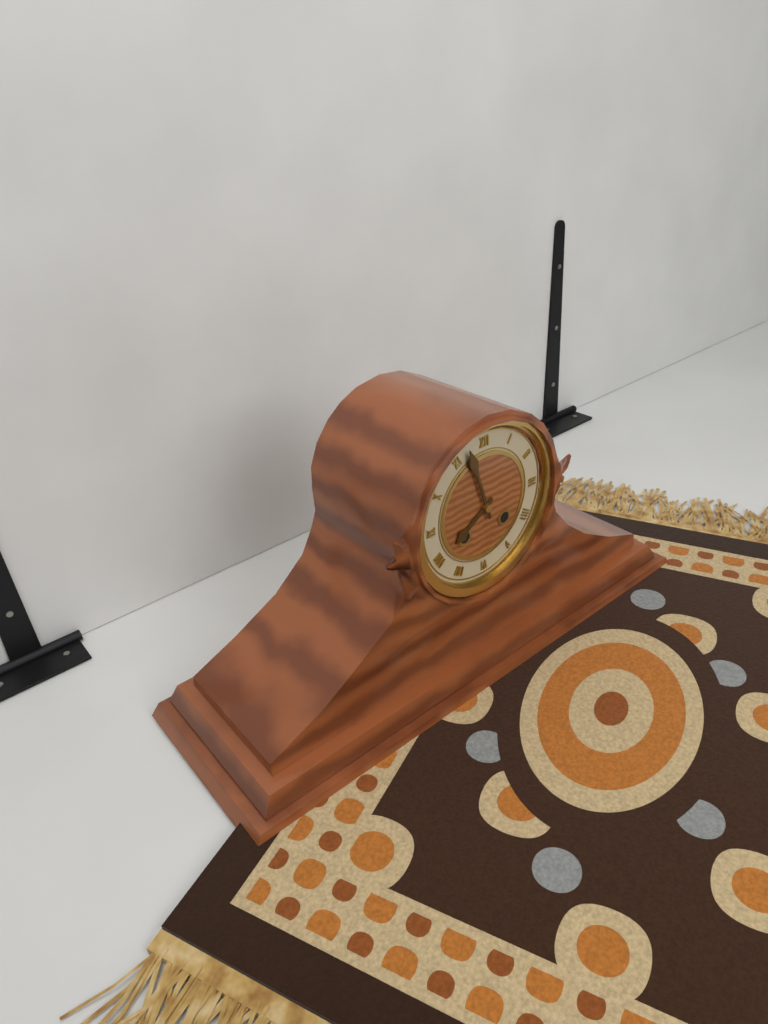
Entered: 7.57
